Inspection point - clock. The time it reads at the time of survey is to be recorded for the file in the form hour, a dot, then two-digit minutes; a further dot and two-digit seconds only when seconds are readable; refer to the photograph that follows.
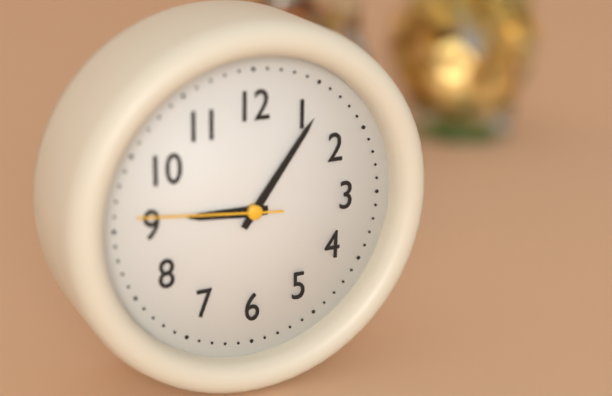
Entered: 9.06.46
